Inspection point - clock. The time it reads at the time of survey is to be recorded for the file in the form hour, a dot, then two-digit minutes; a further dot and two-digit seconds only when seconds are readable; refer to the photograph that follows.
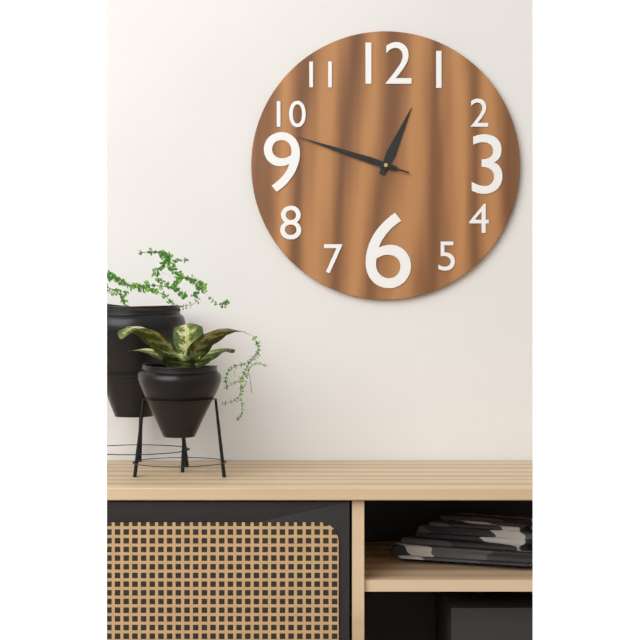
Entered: 12.48.48
